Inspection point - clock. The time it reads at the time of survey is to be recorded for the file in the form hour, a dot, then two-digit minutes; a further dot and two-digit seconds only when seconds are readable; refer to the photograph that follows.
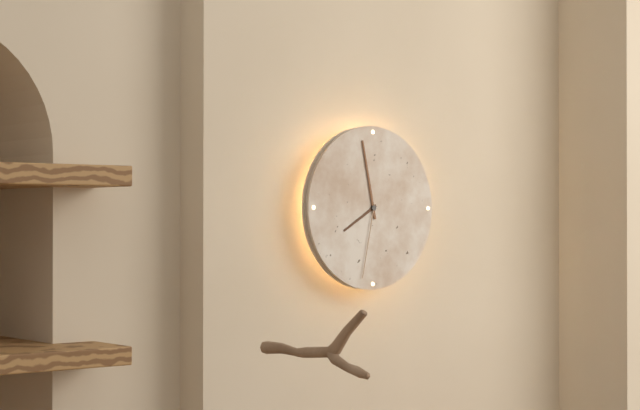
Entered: 7.58.32
